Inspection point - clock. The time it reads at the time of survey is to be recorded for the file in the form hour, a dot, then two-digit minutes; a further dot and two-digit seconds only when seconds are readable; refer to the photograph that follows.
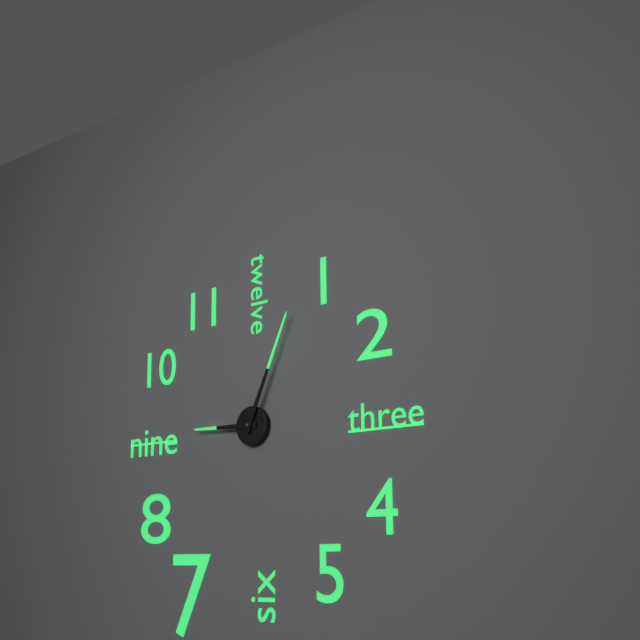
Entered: 9.04
